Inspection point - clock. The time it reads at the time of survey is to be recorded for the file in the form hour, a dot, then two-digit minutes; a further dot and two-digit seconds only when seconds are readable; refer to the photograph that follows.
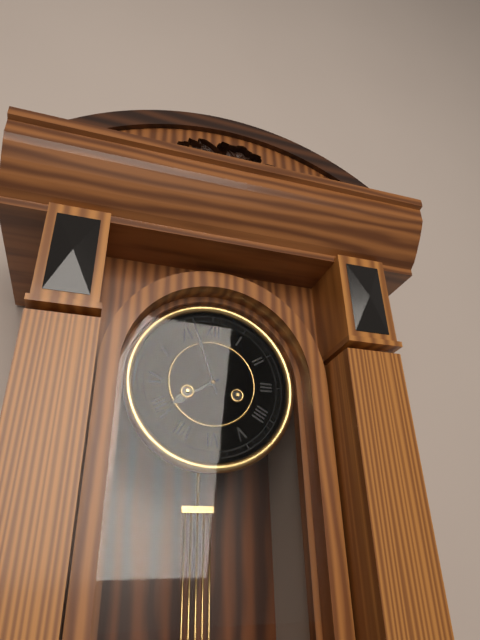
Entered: 7.57
